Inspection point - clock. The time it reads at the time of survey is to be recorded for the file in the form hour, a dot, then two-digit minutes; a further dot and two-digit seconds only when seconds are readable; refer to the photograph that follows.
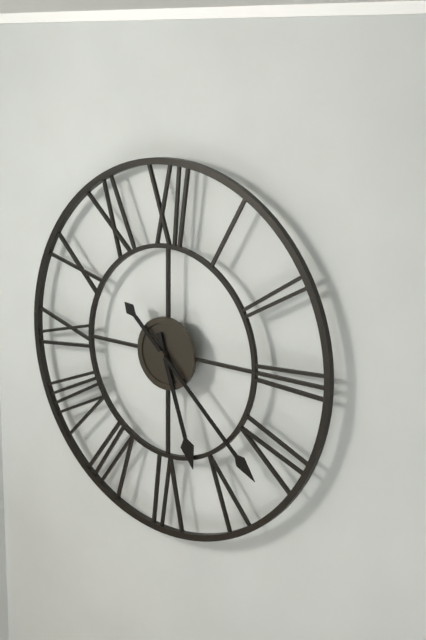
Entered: 5.22
